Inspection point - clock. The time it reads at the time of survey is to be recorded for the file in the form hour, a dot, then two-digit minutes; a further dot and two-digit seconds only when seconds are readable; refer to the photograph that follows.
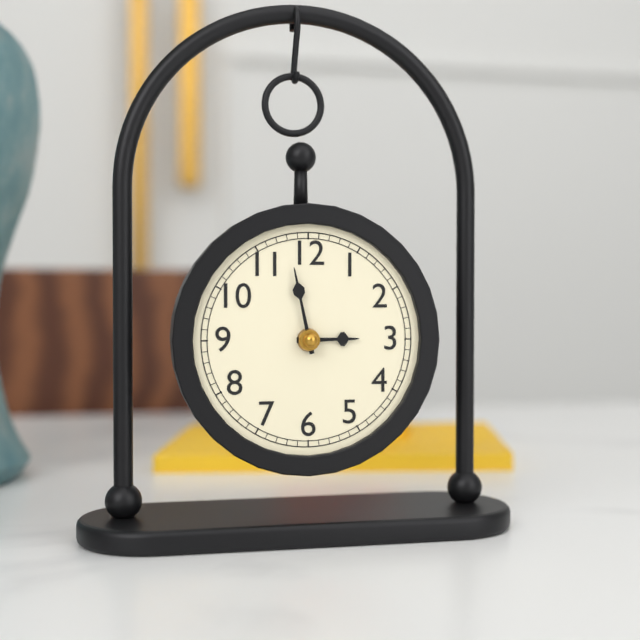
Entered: 2.58
